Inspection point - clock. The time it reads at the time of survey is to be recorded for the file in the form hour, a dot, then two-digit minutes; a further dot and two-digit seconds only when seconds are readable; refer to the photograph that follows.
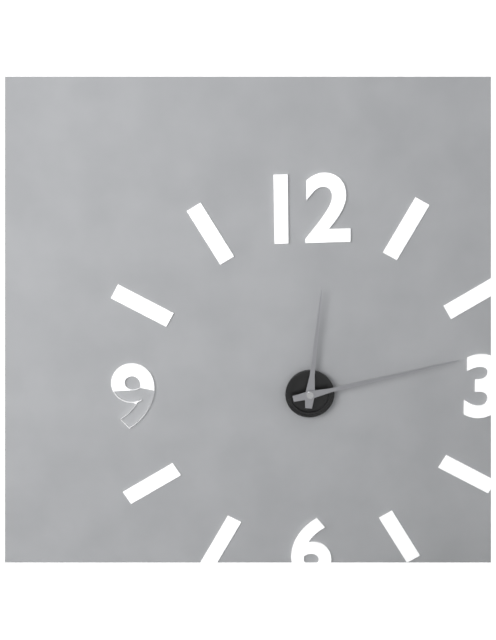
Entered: 12.13
